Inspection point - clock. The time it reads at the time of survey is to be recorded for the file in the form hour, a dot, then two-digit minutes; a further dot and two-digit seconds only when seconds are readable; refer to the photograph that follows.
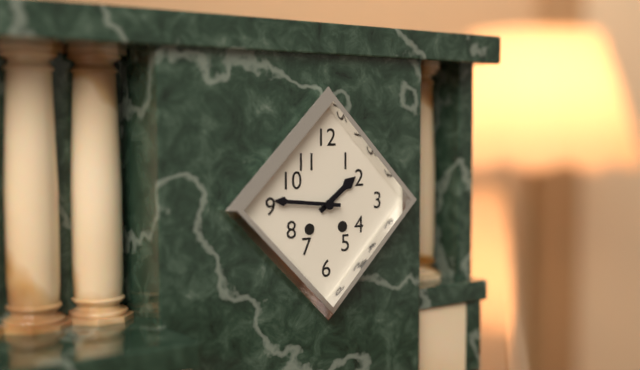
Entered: 1.46
